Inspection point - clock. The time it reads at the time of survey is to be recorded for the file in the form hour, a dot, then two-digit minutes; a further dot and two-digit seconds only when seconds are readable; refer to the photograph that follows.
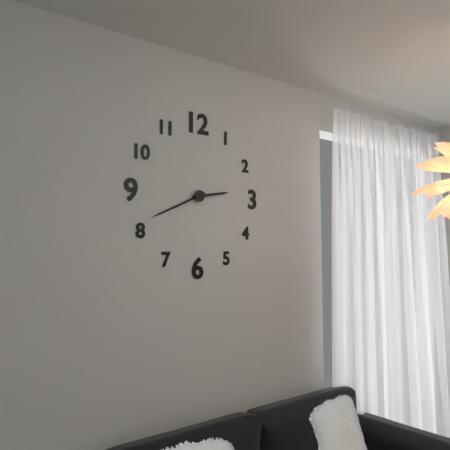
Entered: 2.41
